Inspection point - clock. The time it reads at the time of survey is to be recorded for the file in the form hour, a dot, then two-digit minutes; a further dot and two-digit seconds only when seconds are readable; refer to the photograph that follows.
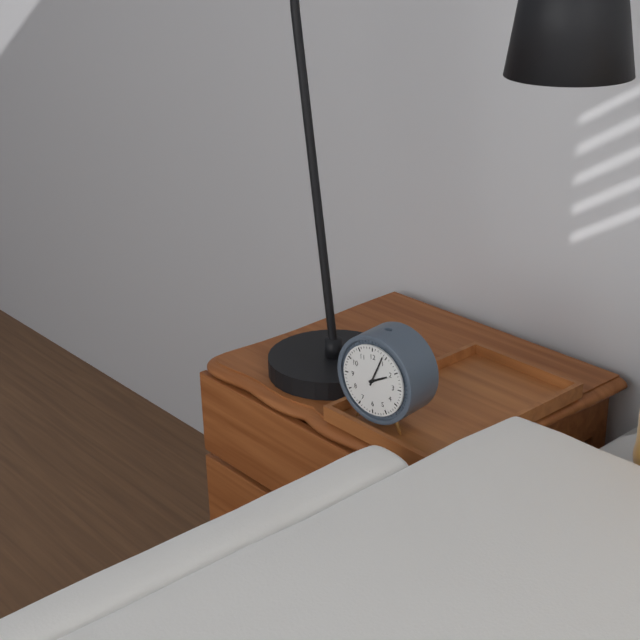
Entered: 2.04
